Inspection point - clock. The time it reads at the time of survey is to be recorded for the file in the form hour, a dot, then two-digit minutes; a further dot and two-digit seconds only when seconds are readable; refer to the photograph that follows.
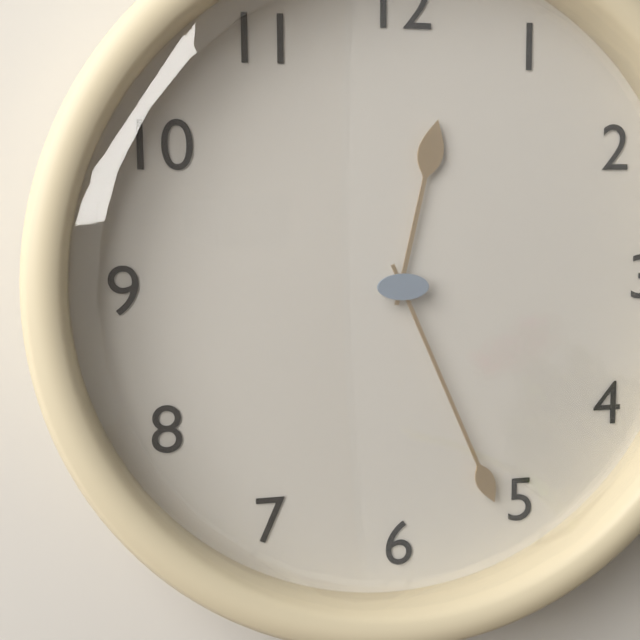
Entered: 12.26
